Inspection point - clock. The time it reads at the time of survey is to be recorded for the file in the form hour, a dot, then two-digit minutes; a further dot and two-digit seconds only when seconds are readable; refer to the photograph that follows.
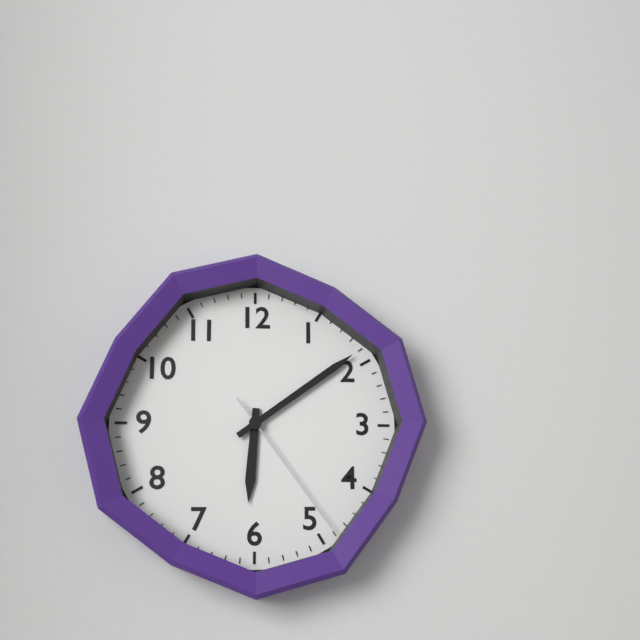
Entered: 6.09.24
